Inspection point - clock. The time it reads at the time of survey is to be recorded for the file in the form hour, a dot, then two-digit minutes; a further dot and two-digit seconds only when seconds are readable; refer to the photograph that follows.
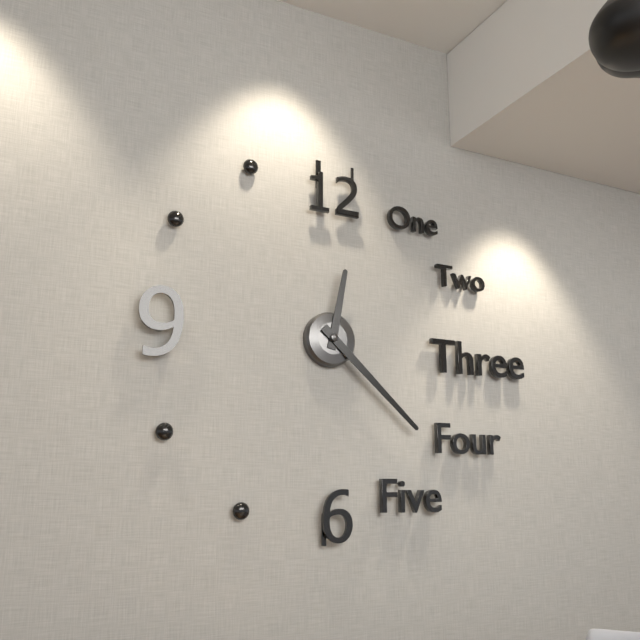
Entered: 12.22
